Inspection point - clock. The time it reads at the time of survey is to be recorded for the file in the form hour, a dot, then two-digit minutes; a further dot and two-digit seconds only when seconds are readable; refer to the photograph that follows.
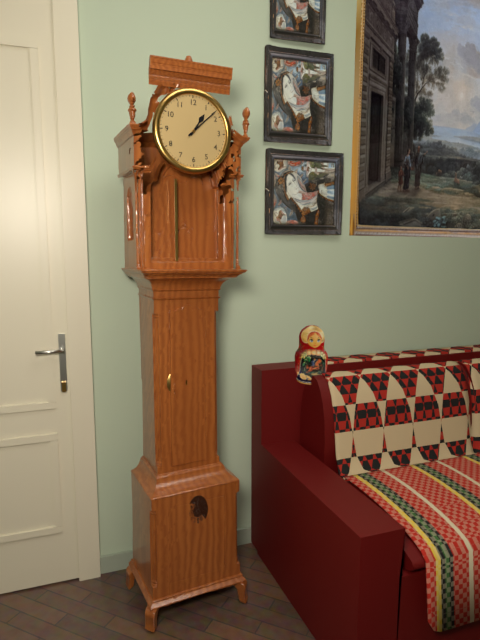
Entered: 1.08
